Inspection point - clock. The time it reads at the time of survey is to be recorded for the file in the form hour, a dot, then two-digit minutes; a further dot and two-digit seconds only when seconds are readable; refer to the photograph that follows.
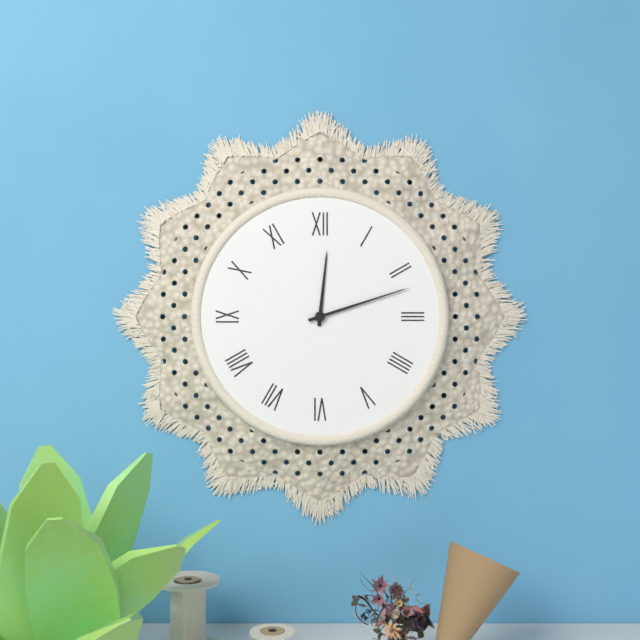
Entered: 12.12
